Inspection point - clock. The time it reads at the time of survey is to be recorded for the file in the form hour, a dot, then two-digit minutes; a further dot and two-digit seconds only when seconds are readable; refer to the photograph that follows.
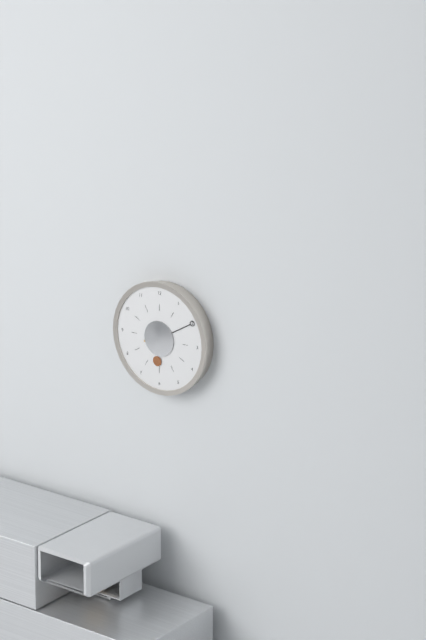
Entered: 6.10
